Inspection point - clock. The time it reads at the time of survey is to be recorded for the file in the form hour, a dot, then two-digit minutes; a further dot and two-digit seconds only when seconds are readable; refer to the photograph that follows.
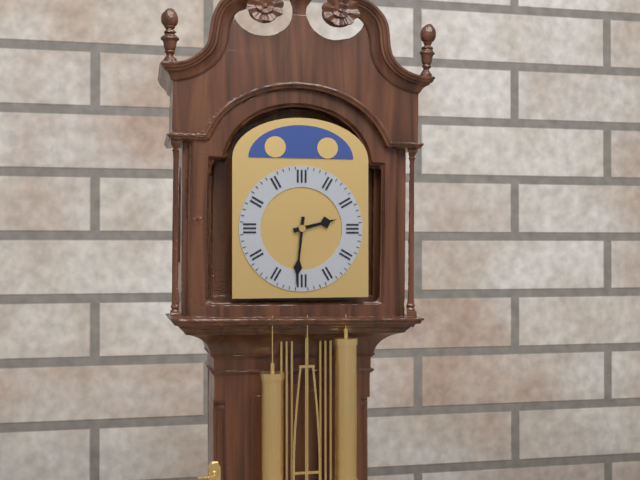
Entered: 2.31
